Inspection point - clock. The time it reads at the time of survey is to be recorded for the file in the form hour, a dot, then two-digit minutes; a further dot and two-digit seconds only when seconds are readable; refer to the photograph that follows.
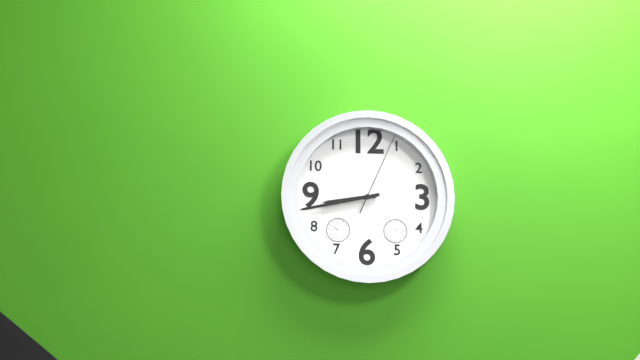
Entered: 8.43.04
